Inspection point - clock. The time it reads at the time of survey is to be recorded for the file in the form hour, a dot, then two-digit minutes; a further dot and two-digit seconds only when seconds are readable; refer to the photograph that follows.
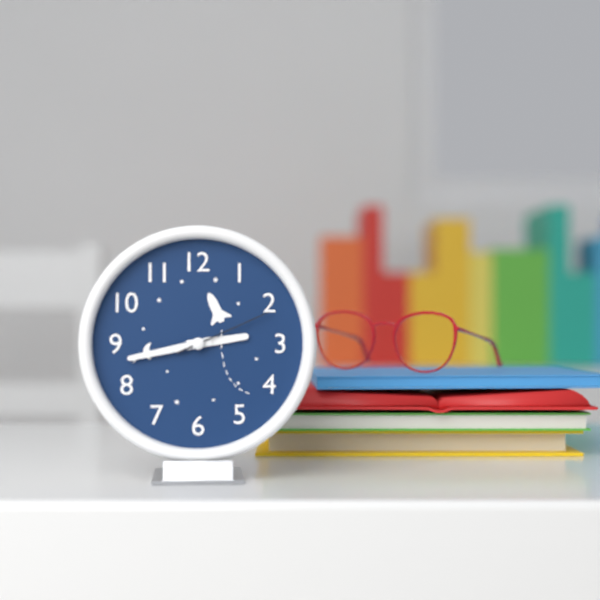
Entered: 2.43.11
